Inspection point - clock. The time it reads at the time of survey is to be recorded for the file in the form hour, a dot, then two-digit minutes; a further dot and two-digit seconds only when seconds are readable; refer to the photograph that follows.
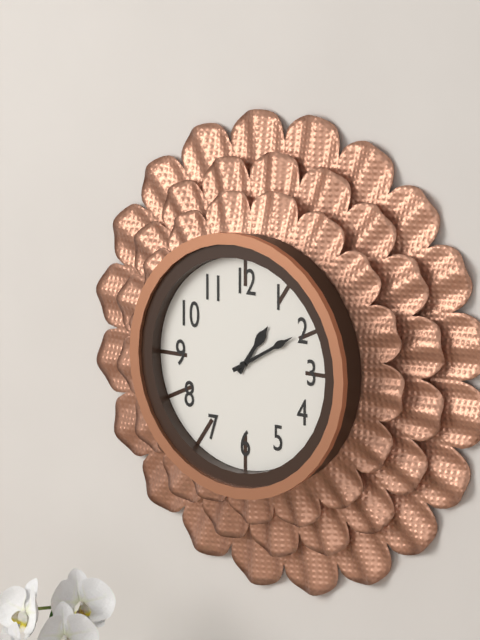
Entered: 1.10
